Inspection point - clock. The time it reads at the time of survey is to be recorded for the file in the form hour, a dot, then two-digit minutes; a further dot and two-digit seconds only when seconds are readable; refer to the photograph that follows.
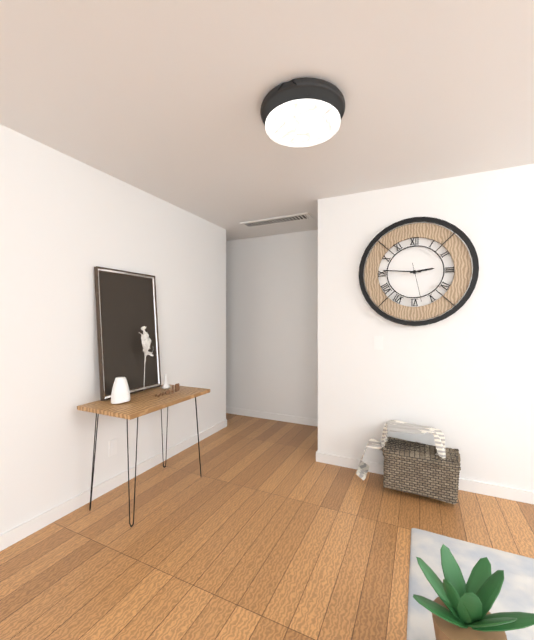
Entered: 2.46
